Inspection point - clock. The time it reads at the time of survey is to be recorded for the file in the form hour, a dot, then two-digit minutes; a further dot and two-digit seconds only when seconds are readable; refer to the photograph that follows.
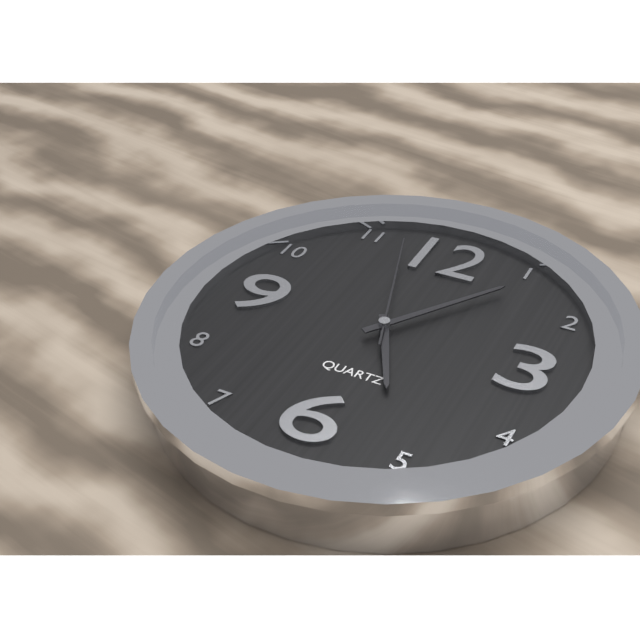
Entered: 5.06.57
